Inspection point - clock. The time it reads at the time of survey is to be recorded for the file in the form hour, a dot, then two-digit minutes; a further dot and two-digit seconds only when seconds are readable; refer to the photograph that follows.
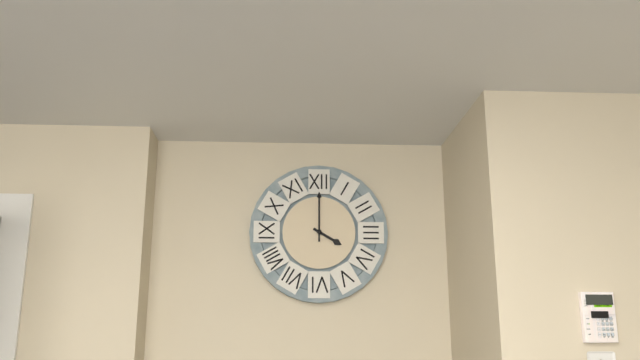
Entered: 4.00
